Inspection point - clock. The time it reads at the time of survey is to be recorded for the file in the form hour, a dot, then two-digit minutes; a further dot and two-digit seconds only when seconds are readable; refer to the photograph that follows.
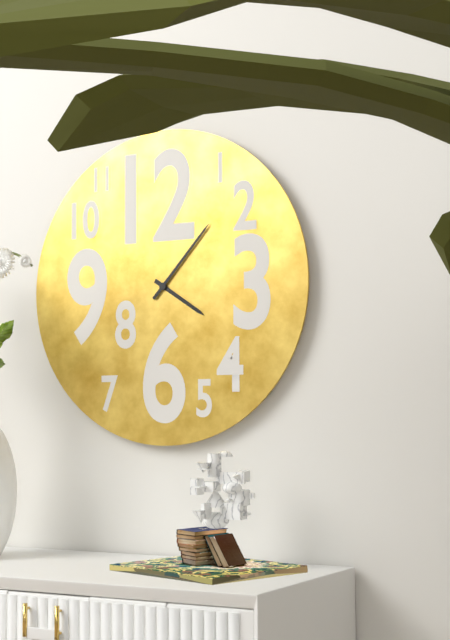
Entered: 4.07
